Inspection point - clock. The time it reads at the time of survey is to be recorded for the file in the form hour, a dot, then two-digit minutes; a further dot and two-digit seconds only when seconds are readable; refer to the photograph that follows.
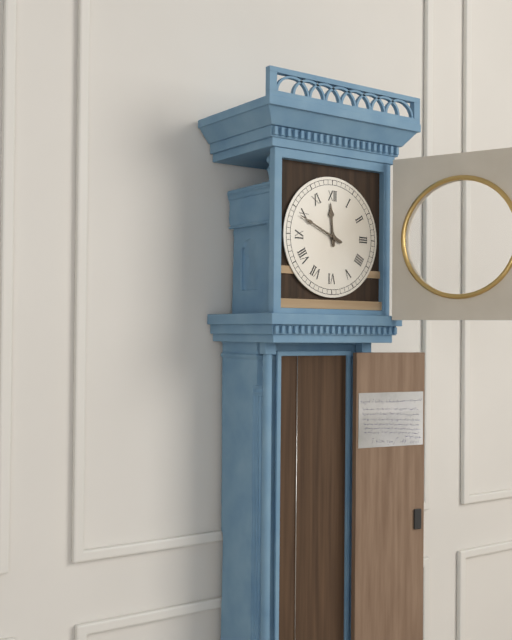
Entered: 11.49
